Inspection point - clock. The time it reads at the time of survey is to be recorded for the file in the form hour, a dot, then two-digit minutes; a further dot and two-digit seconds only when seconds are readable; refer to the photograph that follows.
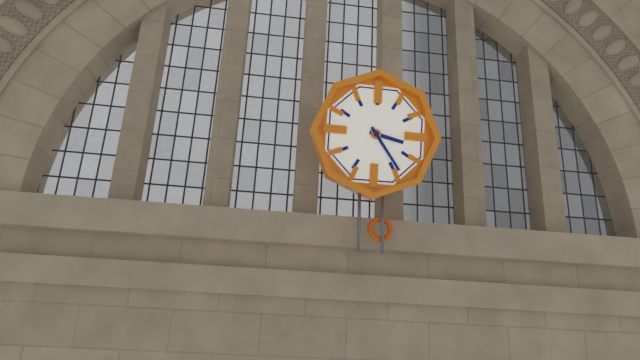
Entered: 3.24
